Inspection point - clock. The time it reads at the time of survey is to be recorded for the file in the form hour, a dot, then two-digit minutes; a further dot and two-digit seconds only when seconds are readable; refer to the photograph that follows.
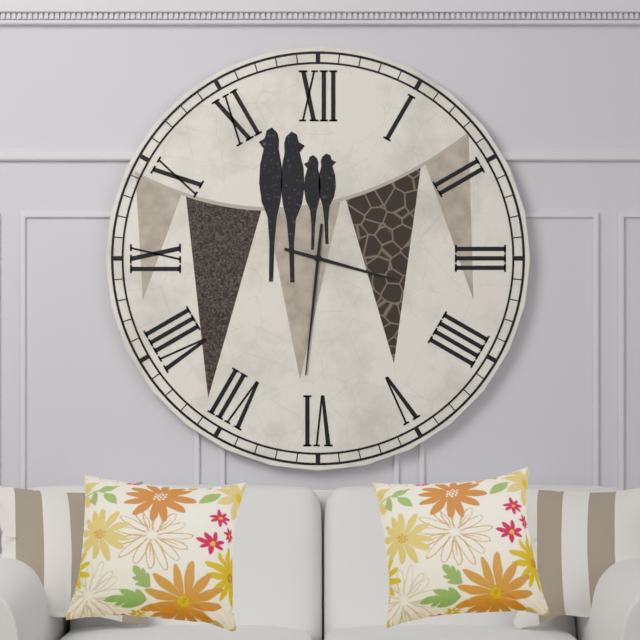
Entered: 3.31
